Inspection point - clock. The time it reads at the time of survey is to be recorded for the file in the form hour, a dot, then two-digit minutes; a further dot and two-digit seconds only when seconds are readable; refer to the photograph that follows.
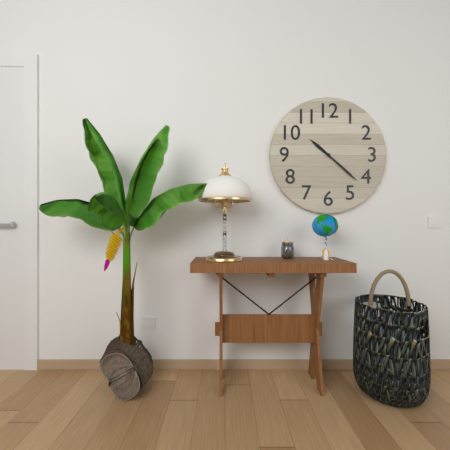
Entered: 10.22
